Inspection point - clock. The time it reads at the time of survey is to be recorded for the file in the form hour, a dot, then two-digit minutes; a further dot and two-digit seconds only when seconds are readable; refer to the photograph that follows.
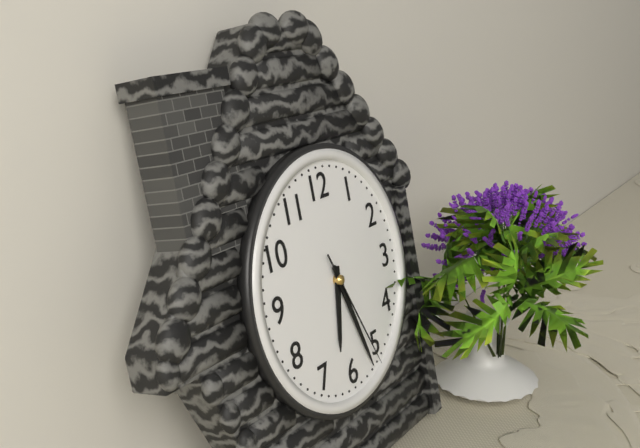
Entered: 6.27.26
